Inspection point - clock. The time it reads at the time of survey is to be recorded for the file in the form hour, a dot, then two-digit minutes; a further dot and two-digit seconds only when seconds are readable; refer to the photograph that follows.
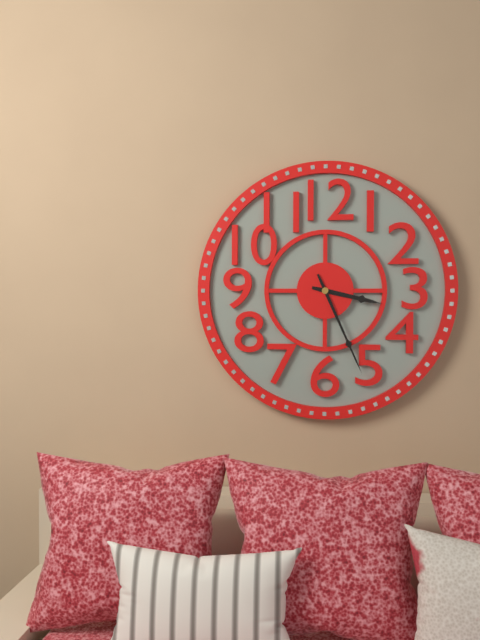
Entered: 3.26
